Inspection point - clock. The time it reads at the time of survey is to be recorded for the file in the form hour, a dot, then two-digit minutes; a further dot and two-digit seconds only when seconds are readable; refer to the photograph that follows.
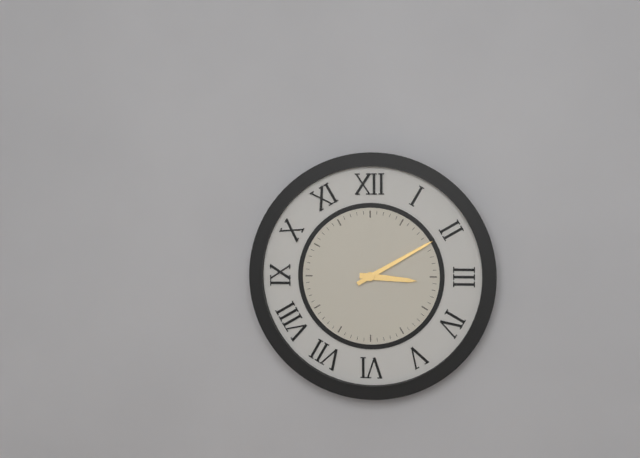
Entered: 3.10
